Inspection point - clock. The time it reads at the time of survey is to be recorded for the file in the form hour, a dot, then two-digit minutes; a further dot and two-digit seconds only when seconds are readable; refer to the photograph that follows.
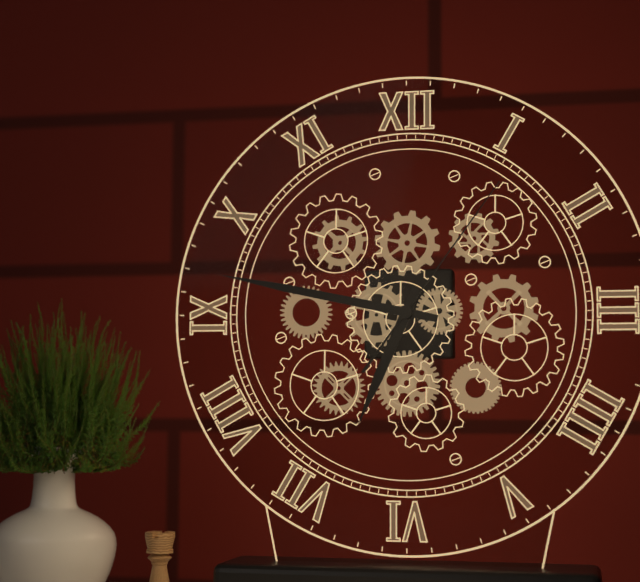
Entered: 6.47.06
